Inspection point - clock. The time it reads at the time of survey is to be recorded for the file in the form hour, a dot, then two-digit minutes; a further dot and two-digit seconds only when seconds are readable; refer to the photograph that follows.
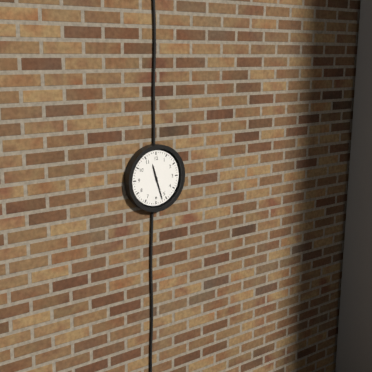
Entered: 11.27
